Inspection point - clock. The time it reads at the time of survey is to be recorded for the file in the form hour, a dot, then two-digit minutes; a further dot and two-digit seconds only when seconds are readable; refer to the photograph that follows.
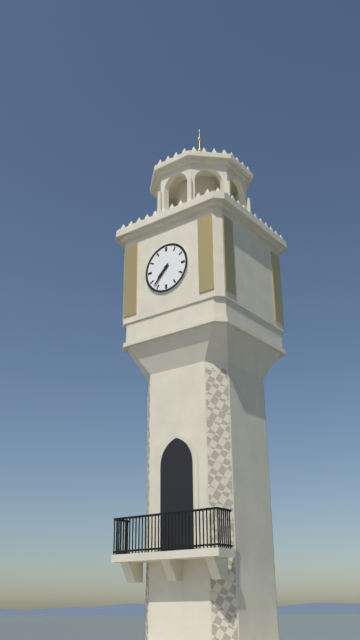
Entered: 7.37
